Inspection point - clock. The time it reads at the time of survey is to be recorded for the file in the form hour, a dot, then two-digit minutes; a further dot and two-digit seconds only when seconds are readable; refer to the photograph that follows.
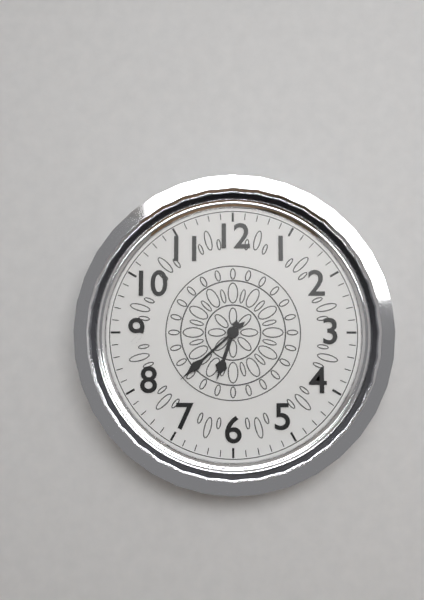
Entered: 6.38
